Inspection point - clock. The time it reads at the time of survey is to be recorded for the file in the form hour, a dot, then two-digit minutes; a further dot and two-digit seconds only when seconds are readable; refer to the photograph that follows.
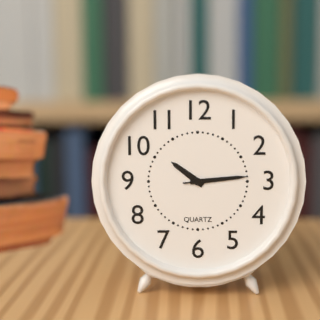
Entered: 10.14.14
